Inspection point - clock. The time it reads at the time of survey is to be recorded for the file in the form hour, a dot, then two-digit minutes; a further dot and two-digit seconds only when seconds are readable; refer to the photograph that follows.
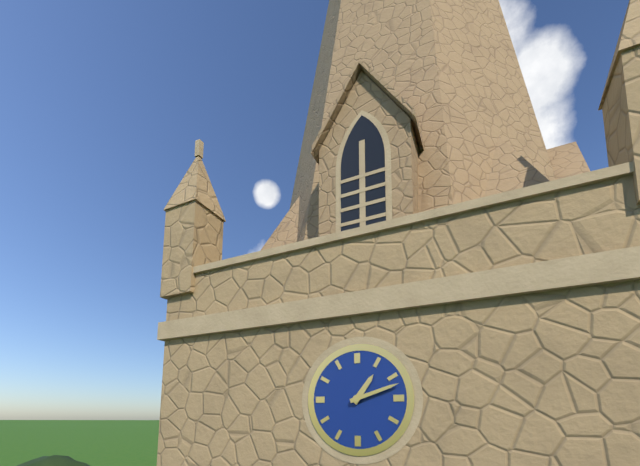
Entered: 1.12
